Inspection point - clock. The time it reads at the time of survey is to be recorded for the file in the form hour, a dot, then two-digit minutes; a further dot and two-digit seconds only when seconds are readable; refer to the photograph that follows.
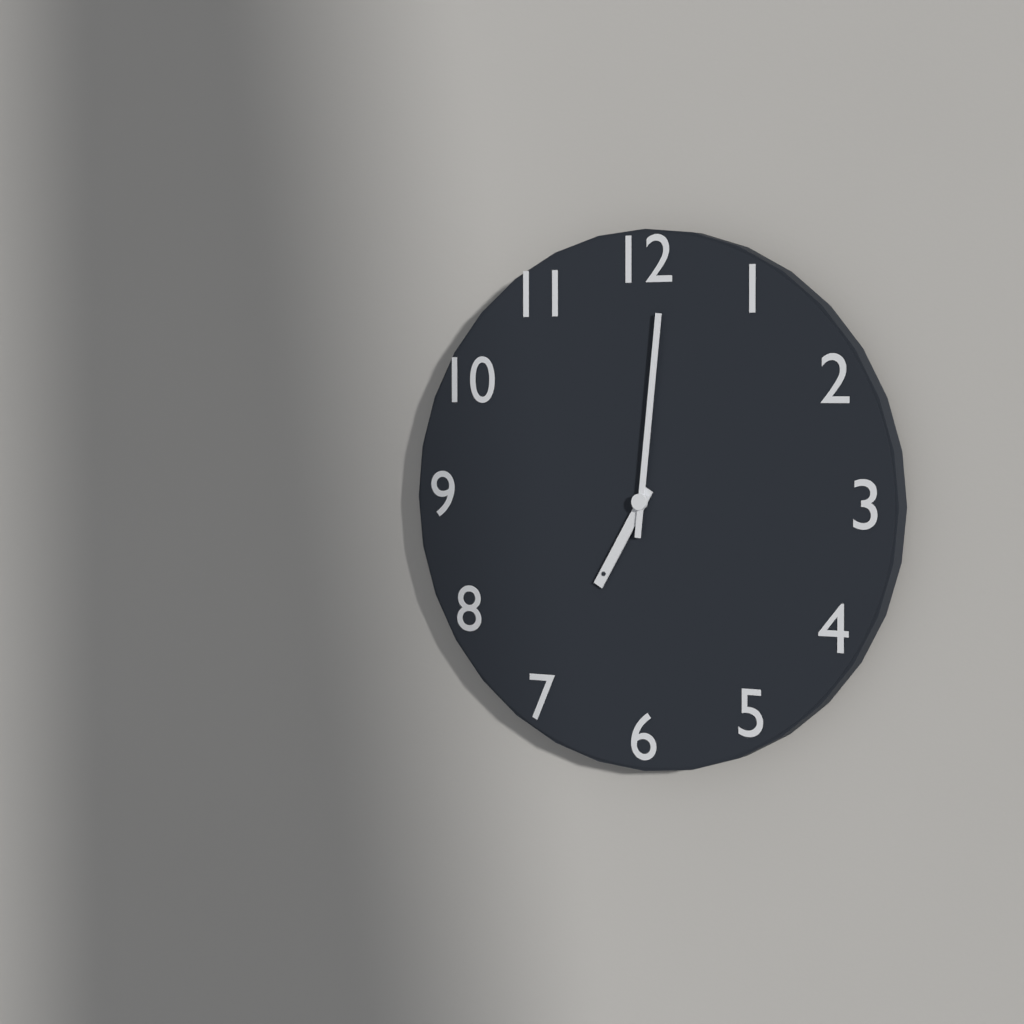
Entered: 7.01
